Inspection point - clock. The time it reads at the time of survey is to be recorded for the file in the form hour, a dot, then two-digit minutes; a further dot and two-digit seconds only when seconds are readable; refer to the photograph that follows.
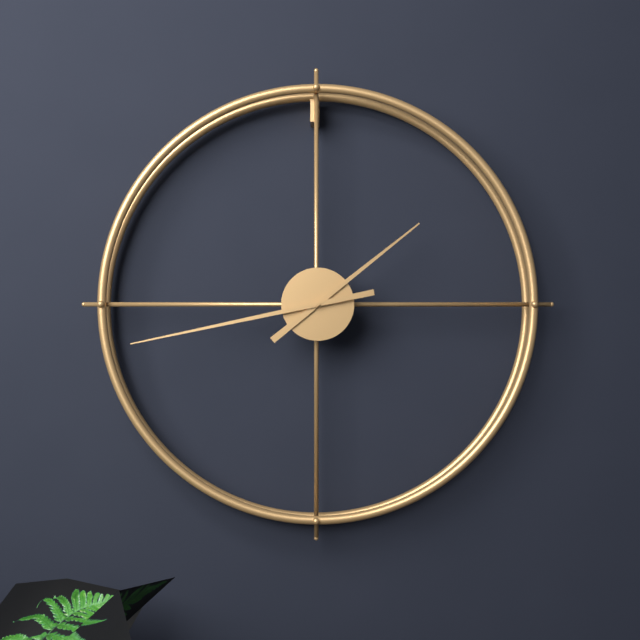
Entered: 1.43
